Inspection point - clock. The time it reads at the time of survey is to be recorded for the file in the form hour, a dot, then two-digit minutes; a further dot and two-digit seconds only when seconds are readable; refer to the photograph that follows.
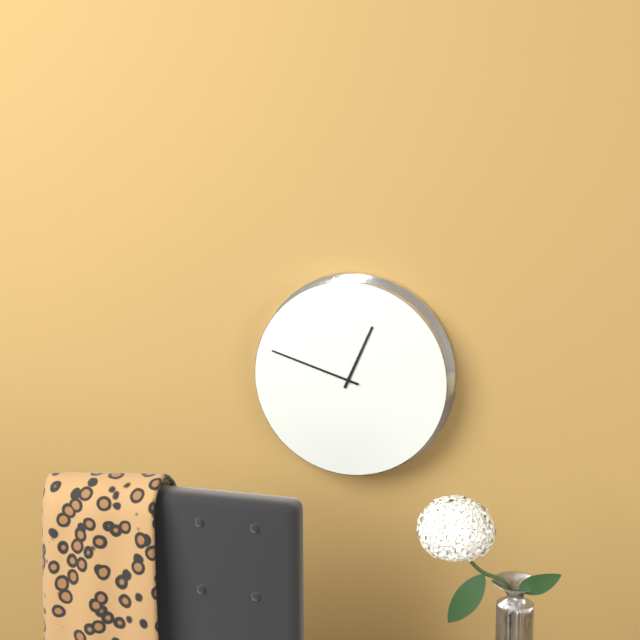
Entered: 12.48
